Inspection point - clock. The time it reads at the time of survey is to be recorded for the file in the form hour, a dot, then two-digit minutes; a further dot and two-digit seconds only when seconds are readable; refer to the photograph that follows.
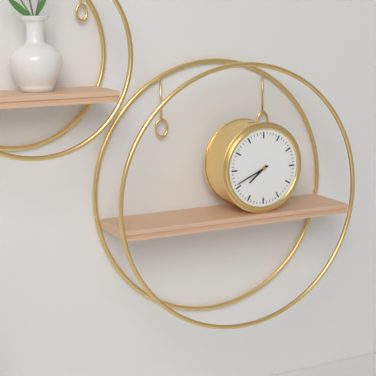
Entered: 7.41
